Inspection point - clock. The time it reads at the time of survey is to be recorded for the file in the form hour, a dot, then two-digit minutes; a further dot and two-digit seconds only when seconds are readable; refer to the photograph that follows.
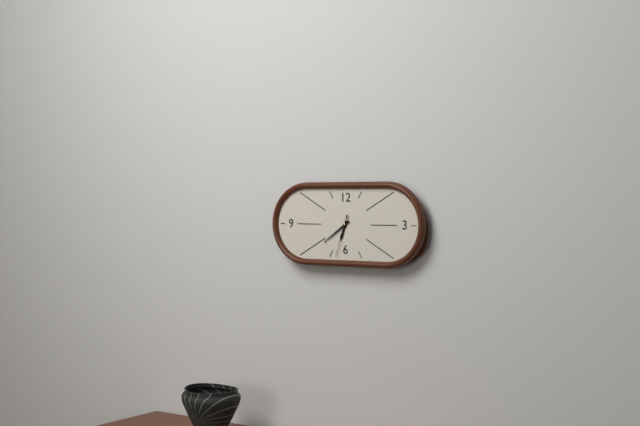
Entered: 6.39
